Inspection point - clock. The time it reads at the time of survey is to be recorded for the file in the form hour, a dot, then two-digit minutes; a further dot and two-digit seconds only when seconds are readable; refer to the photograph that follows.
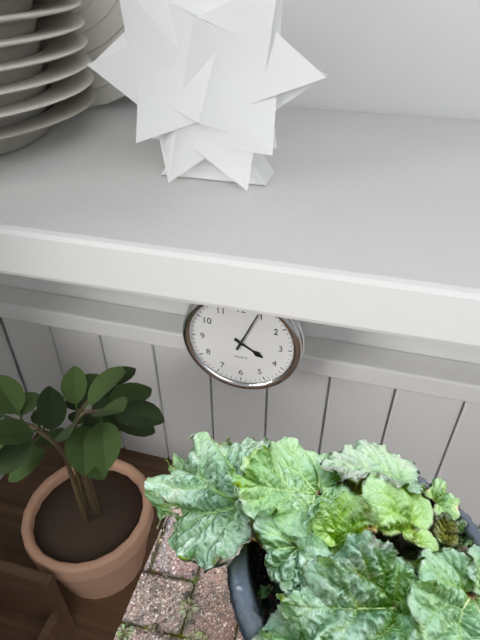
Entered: 4.04
